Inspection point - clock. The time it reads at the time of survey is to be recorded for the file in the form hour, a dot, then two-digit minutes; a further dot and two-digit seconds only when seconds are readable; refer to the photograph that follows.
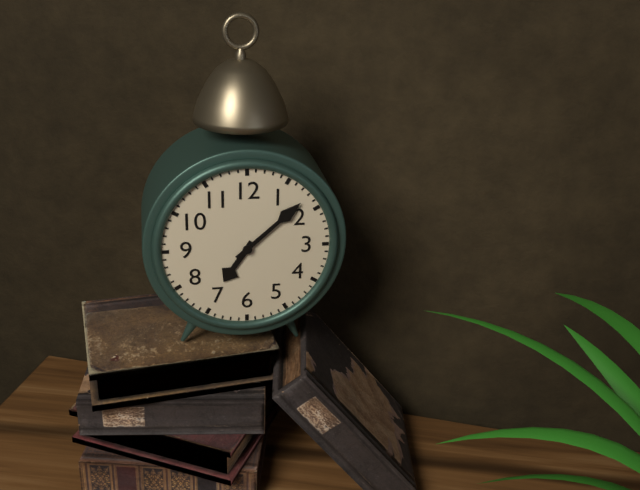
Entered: 7.08
